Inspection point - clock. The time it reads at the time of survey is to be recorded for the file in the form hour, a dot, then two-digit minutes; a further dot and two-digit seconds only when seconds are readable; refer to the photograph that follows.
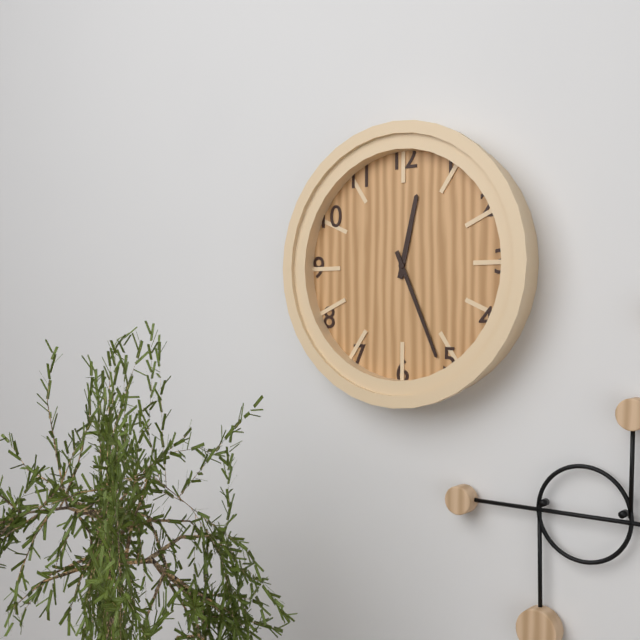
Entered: 12.26
